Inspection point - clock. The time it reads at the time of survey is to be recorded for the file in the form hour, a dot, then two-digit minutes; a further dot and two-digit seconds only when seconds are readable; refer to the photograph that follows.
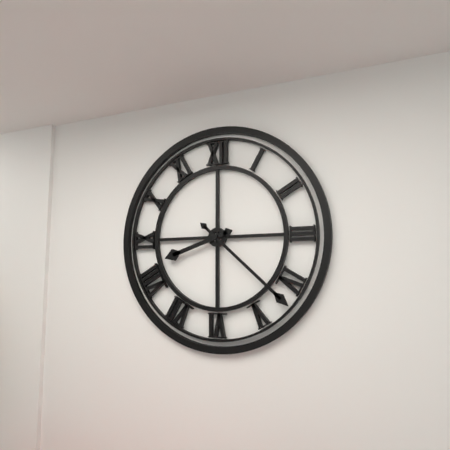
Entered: 8.22
